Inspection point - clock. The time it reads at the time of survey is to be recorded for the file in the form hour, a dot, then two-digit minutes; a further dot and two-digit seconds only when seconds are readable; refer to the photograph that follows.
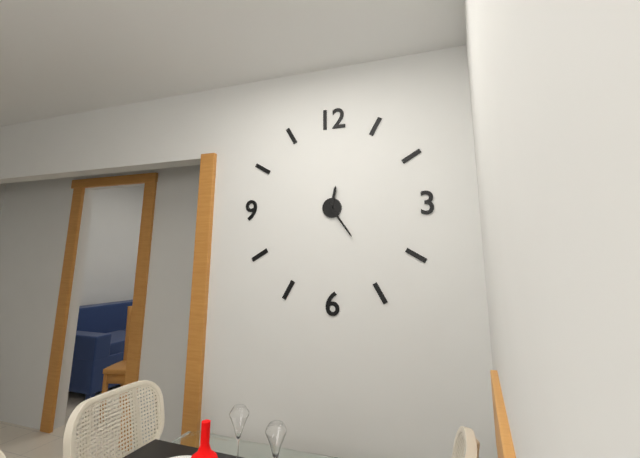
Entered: 12.24
